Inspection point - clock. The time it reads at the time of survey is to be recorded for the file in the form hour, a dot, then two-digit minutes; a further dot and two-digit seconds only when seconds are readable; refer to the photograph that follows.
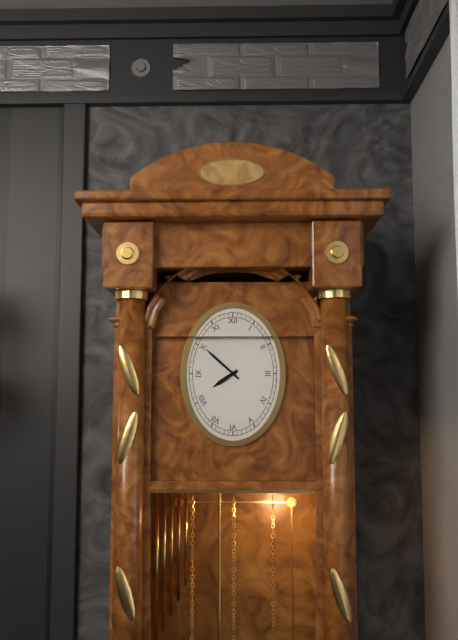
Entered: 7.52
